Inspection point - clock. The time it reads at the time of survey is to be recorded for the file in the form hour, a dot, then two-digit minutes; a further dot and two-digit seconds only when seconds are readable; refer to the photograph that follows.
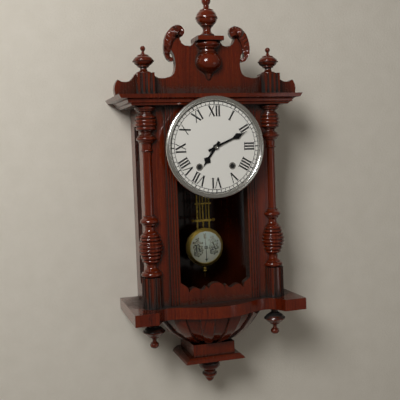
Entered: 7.11
